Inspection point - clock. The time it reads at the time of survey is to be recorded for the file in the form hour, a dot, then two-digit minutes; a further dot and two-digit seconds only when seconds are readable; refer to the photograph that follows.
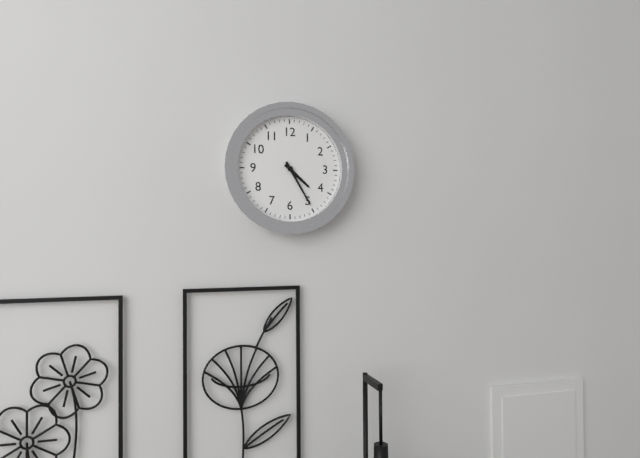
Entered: 4.25
